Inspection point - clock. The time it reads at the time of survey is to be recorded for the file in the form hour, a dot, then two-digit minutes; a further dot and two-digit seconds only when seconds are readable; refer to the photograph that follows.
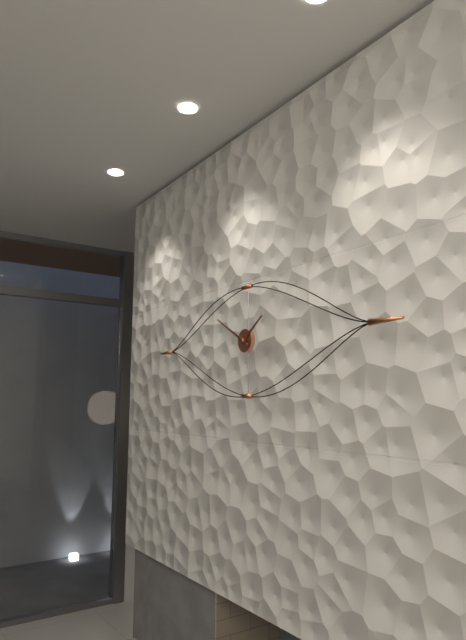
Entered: 1.50
